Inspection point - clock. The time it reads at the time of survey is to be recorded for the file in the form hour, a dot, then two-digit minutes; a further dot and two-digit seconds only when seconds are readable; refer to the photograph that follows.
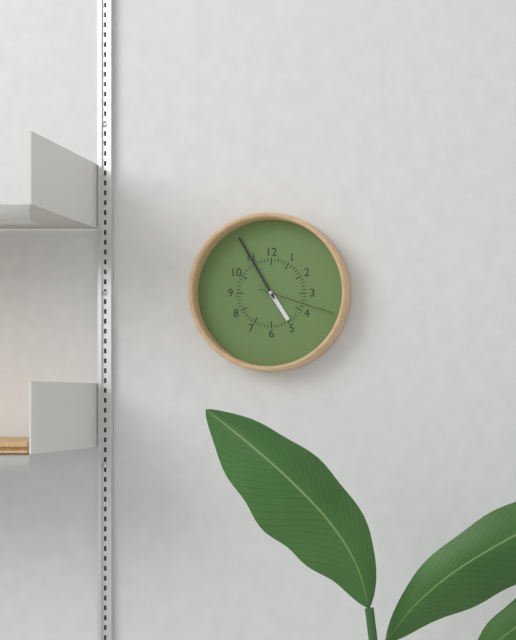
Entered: 4.55.18
